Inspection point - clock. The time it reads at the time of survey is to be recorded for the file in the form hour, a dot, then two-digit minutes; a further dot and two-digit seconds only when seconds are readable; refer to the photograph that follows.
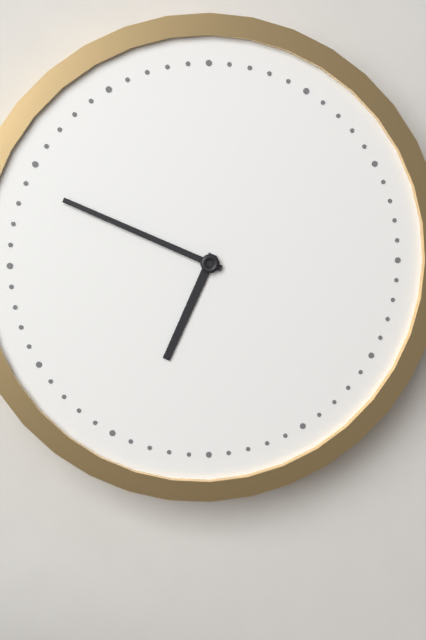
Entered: 6.49
